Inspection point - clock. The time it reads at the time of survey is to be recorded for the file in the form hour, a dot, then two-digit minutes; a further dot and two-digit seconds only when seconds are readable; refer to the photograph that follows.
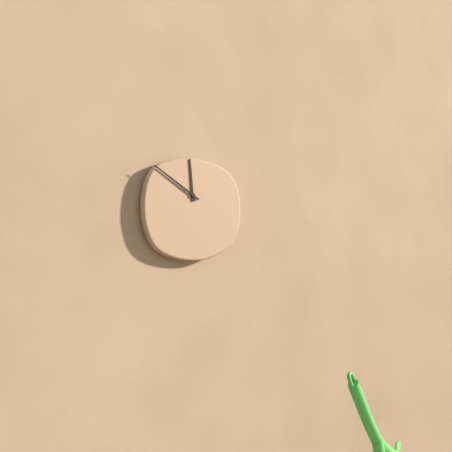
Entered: 11.50
